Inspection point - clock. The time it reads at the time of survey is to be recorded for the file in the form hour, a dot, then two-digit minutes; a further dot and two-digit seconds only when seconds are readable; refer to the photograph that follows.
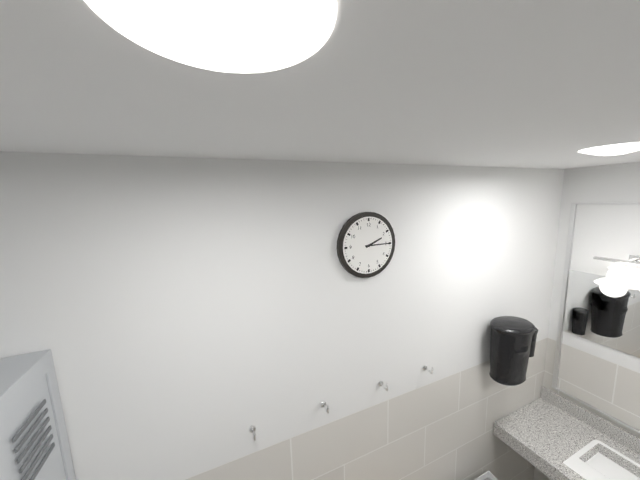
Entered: 2.15
